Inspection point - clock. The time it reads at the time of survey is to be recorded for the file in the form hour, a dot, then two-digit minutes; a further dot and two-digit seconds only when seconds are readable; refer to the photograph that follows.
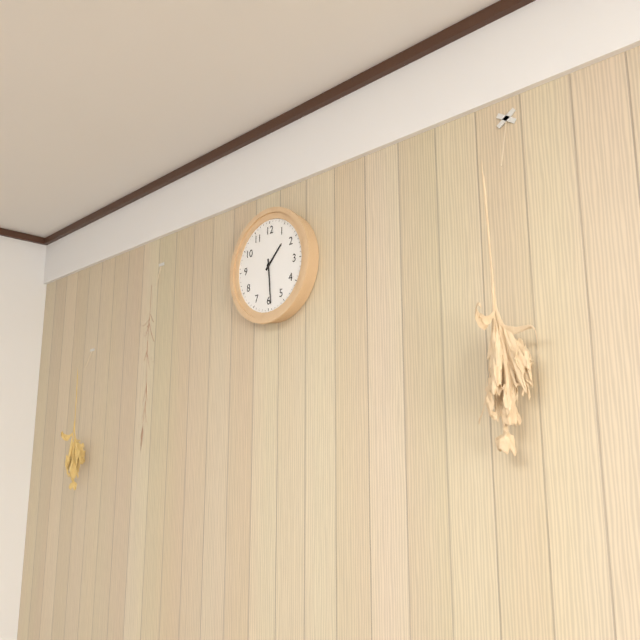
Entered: 1.29
